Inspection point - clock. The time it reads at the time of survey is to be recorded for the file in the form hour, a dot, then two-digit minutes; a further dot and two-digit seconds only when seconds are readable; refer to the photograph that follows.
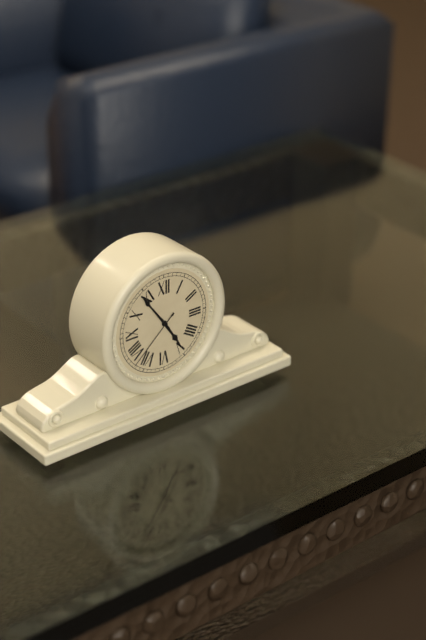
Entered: 4.54.38
